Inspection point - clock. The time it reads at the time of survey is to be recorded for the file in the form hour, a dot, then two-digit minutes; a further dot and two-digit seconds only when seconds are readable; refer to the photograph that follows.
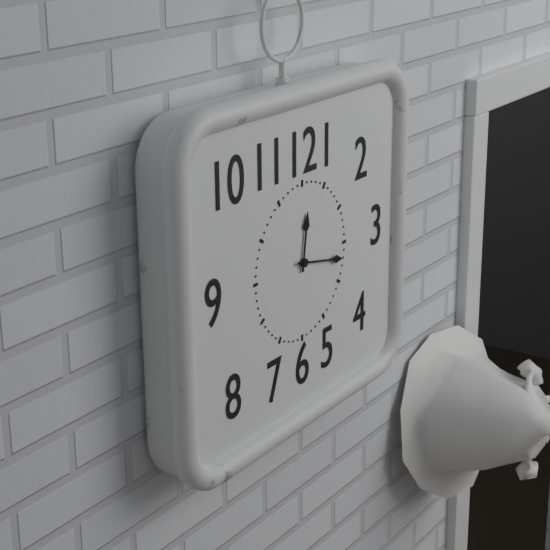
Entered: 12.17
